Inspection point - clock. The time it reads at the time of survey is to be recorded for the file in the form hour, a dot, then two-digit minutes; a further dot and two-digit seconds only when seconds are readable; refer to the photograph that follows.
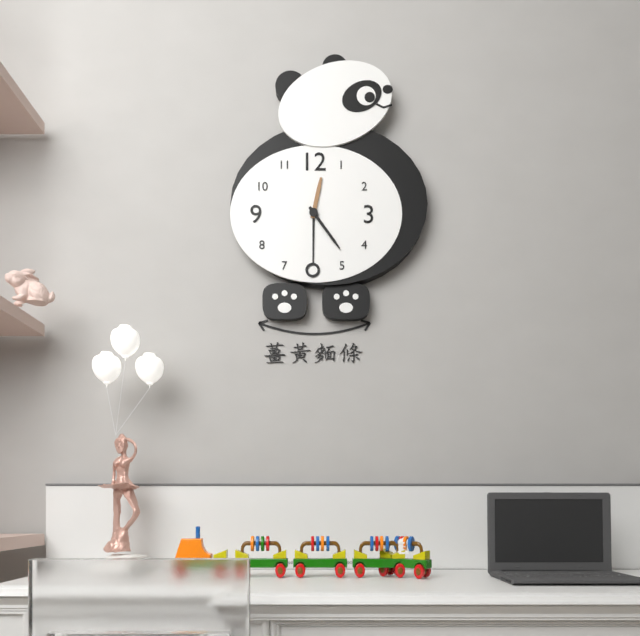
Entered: 12.24
